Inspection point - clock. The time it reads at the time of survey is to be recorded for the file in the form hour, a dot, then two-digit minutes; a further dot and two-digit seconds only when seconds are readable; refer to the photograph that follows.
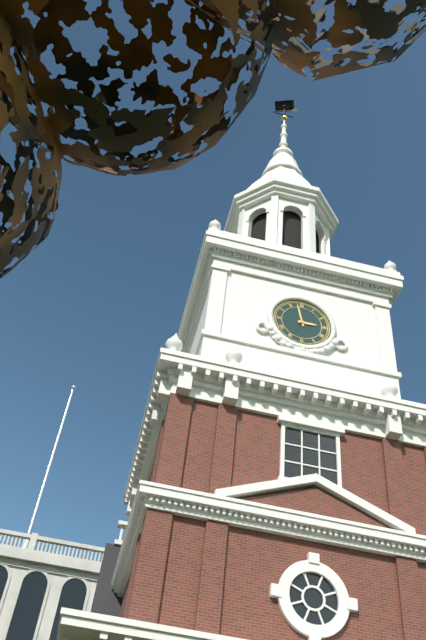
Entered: 2.58
